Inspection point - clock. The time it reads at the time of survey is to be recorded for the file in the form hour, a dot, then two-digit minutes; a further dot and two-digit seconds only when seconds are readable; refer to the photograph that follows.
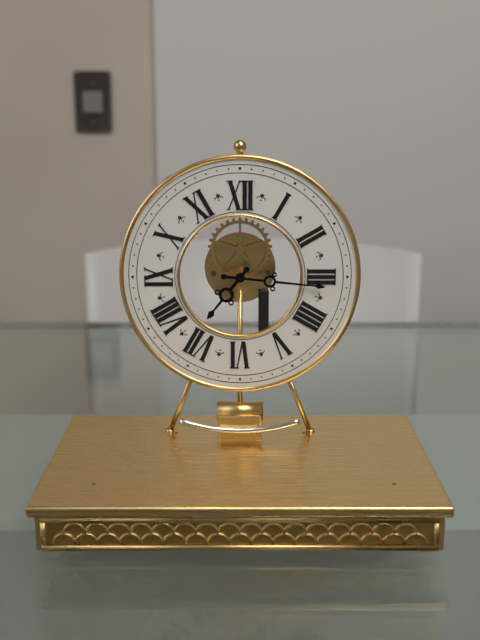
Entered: 7.16
